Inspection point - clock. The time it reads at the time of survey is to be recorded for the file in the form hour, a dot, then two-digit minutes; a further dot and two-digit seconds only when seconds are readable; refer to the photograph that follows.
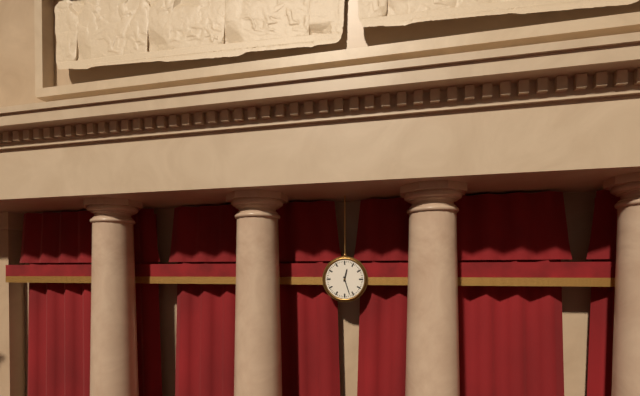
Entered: 12.27
